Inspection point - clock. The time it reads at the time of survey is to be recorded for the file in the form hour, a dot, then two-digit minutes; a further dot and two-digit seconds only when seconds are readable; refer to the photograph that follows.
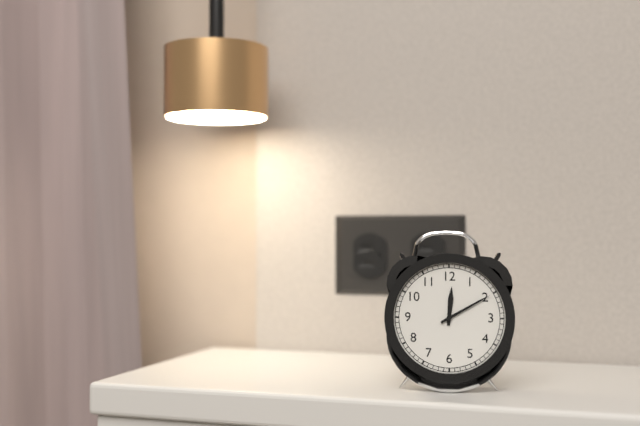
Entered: 12.10
